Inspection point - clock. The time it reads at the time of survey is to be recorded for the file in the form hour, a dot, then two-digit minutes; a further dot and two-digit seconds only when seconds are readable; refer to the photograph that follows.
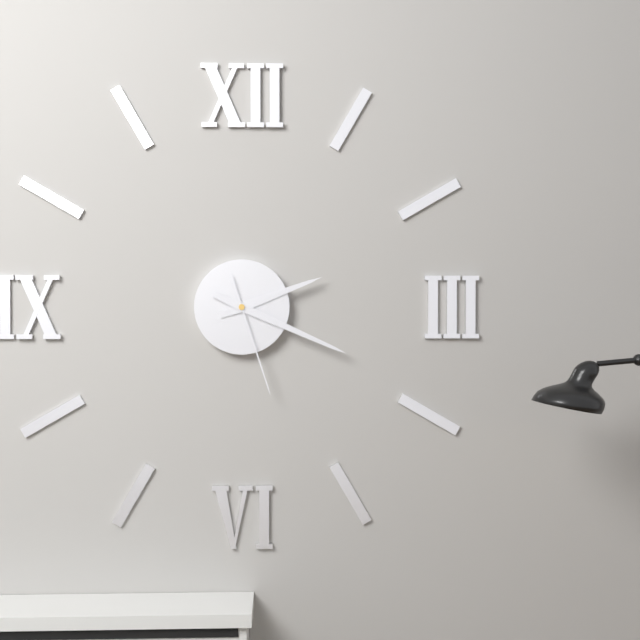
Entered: 2.19.27
